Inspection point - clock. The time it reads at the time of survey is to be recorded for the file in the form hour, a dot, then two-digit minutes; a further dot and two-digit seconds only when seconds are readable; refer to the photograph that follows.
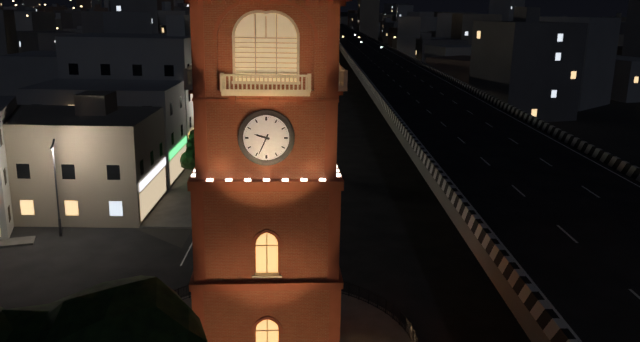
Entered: 9.34
